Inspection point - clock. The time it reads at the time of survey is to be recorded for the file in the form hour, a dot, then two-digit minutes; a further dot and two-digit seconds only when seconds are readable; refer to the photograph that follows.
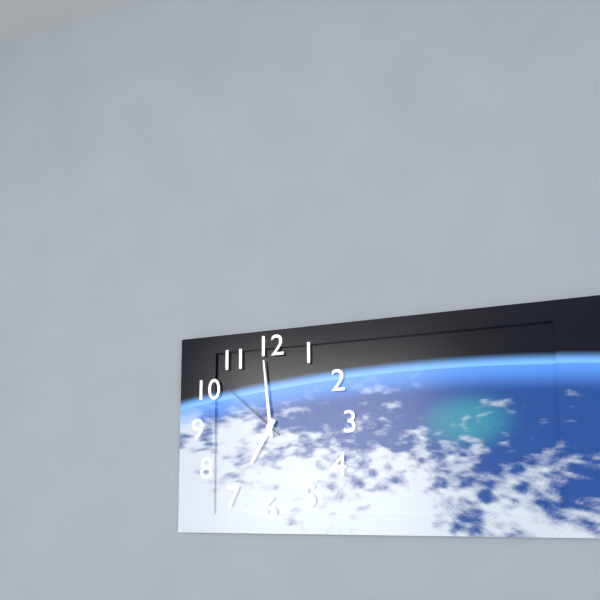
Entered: 6.59.52
